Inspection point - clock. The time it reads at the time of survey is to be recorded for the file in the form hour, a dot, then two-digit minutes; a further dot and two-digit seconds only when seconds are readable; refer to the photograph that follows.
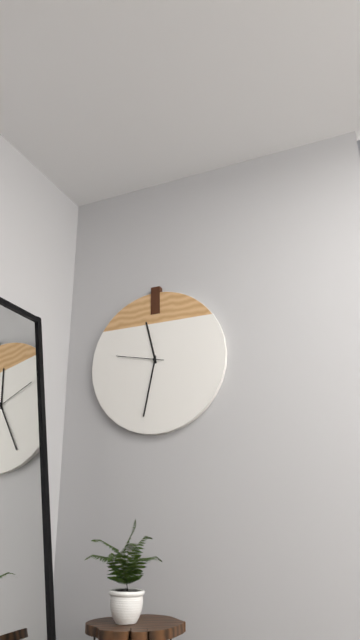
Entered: 11.32
